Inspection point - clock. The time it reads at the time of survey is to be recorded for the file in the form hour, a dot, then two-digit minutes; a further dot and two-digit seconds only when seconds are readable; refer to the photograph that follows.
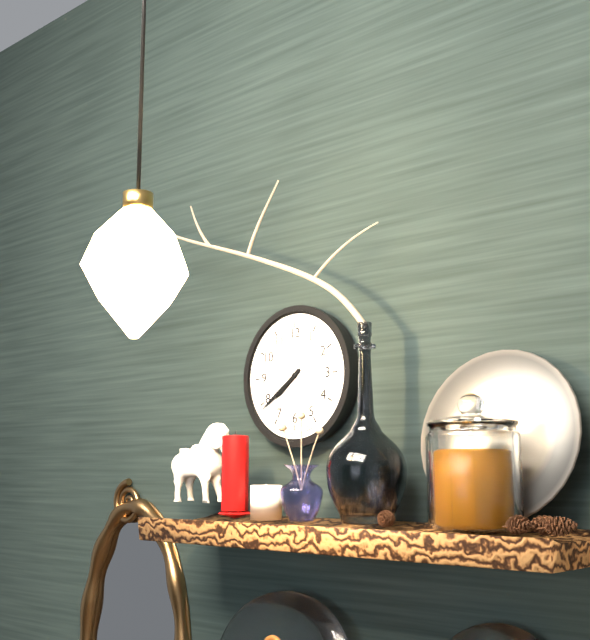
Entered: 7.39
